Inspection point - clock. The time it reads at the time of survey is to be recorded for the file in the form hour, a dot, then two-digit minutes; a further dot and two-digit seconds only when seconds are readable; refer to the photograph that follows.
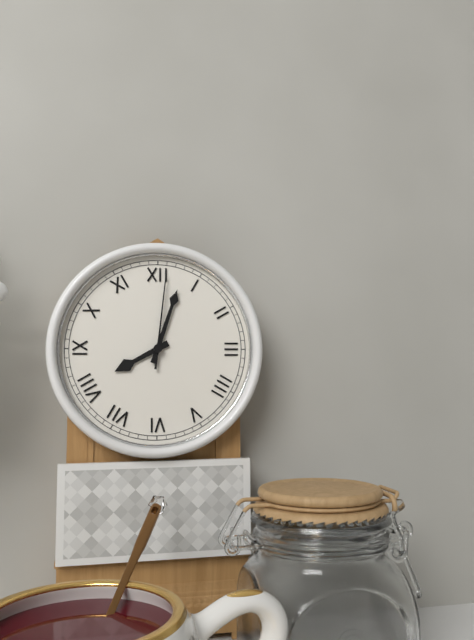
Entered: 8.03.01
